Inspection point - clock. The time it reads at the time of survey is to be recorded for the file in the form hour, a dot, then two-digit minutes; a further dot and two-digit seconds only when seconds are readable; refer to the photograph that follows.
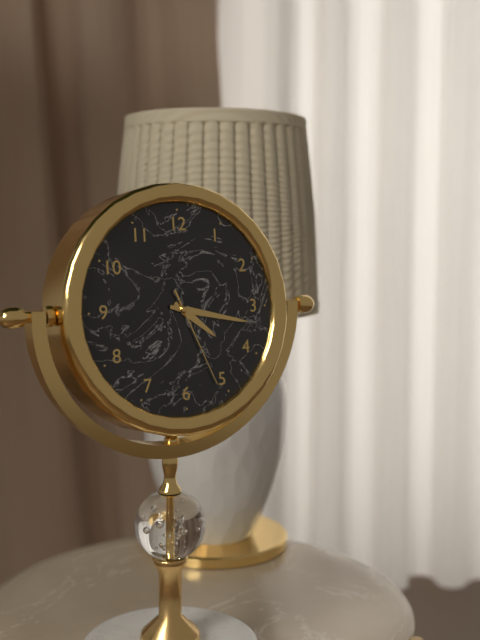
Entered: 4.17.26
